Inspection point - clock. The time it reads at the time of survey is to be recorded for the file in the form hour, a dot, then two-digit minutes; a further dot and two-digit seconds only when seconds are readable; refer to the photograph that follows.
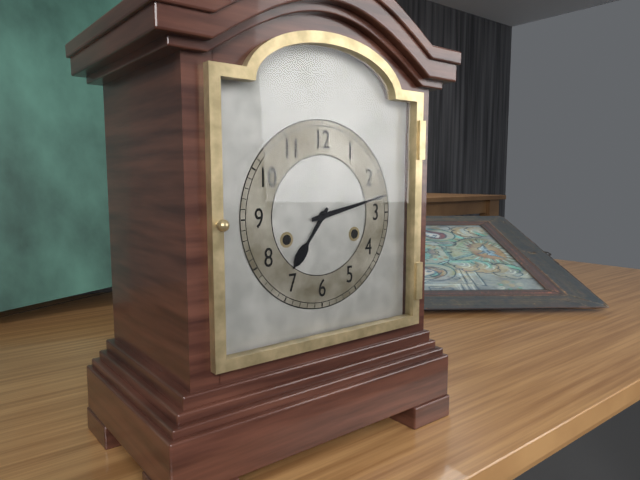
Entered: 7.13
